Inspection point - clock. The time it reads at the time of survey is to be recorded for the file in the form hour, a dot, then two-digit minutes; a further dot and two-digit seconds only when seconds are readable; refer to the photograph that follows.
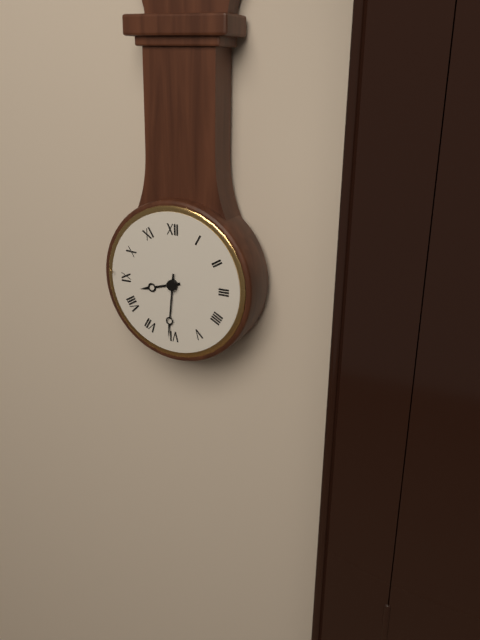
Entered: 8.31
